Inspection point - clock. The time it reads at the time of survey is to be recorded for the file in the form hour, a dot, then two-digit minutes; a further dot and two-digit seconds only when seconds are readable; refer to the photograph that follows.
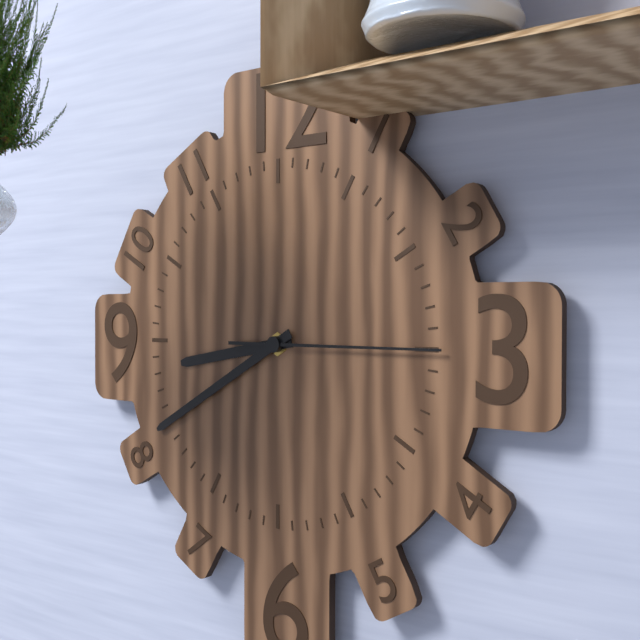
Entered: 8.40.15
